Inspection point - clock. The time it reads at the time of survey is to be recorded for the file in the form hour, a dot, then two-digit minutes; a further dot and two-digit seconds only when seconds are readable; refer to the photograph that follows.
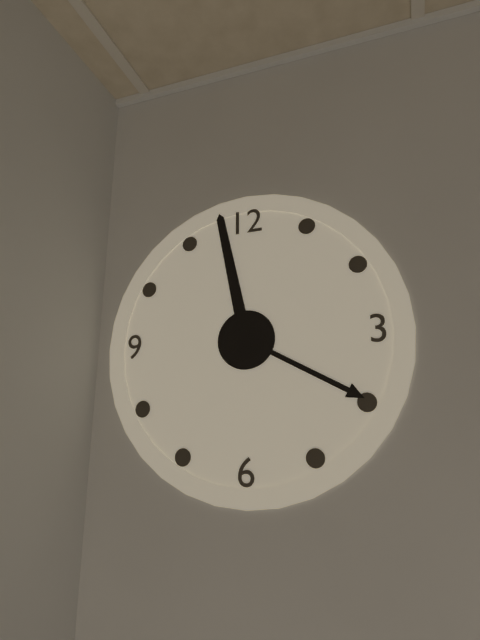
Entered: 3.58
